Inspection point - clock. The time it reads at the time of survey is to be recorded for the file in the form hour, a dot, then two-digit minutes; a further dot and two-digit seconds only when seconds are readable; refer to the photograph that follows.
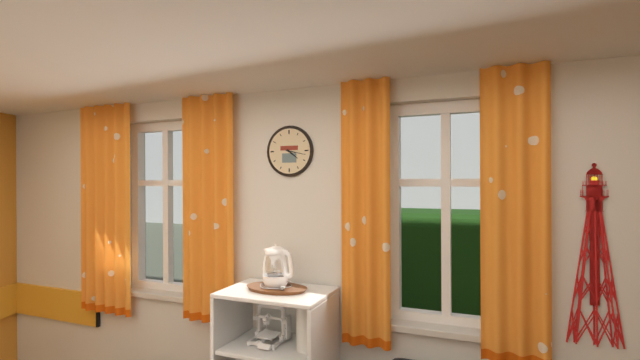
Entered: 4.17
